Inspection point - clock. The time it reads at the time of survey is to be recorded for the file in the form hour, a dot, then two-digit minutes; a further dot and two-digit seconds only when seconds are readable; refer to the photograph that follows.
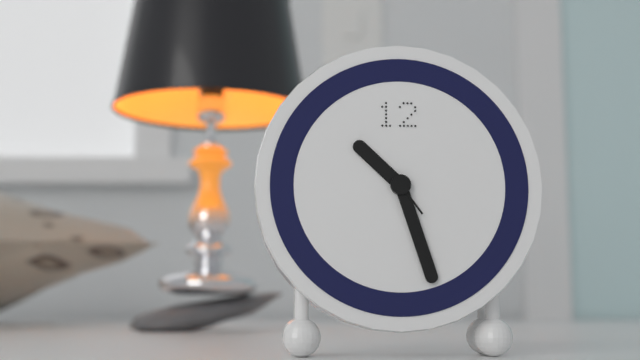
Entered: 10.27
